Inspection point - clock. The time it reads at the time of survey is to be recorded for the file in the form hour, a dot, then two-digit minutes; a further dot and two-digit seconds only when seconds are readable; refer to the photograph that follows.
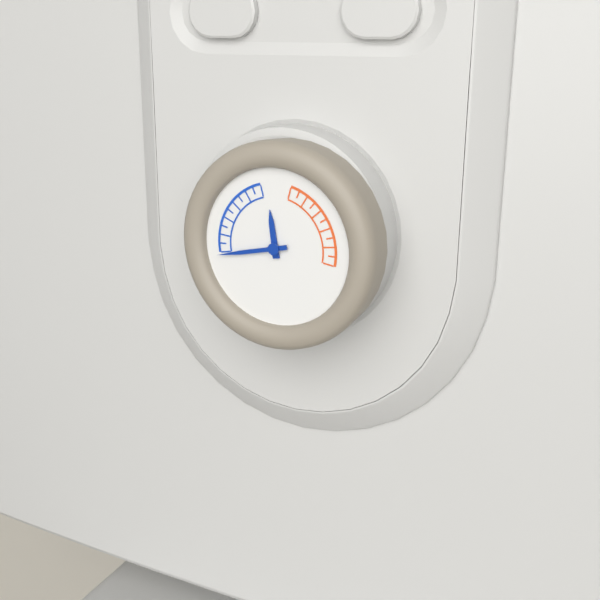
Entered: 11.43
